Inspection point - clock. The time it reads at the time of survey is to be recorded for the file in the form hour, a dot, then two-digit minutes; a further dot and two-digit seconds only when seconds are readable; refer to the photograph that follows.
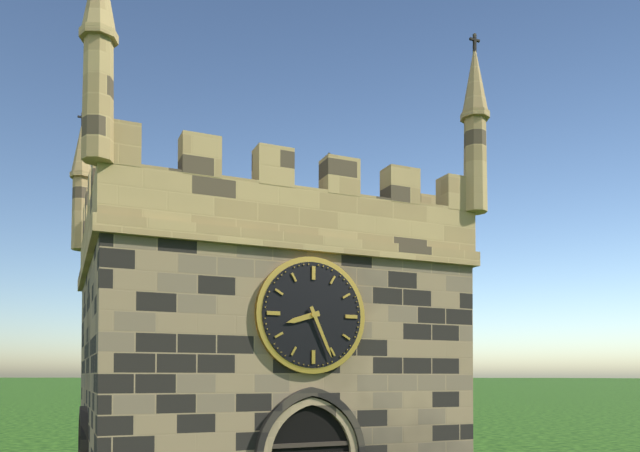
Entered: 8.26
